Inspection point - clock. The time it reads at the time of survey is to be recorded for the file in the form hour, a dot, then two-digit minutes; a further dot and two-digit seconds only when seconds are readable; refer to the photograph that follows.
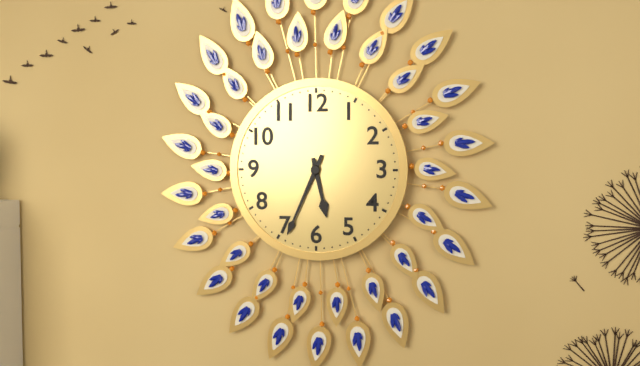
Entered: 5.34
